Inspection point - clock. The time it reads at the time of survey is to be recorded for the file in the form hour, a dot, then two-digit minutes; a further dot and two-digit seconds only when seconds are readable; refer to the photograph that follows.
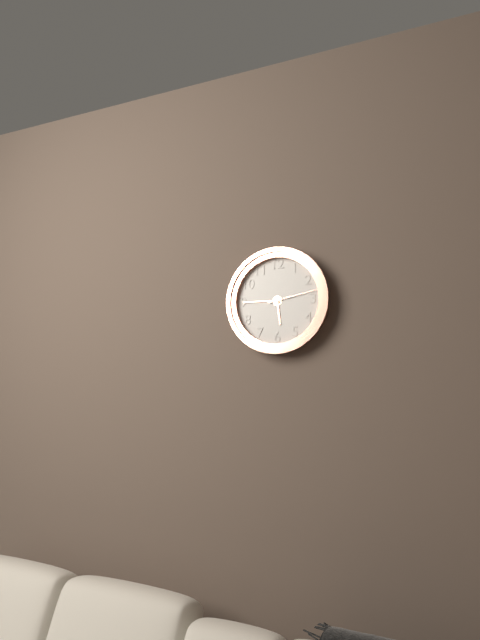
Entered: 5.45.13
